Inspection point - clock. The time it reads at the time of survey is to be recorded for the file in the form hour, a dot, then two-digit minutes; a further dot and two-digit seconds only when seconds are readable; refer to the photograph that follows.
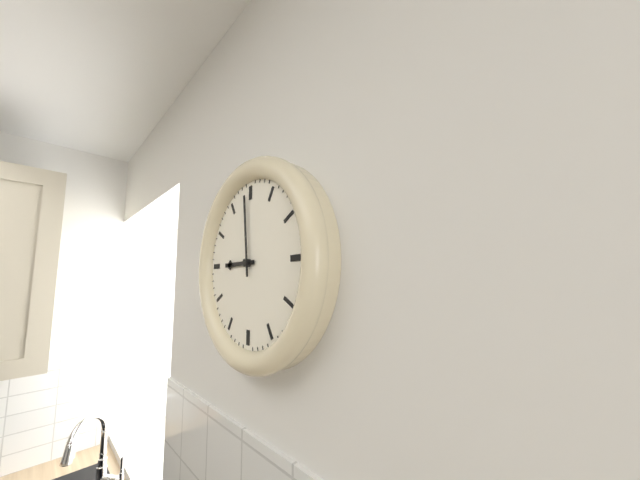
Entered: 8.59
